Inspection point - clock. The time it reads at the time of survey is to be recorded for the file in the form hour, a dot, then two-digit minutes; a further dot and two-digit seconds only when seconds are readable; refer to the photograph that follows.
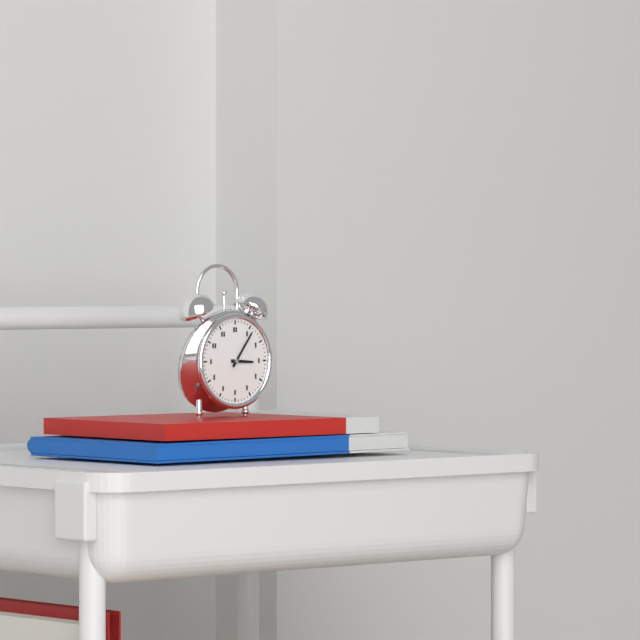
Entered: 3.06
